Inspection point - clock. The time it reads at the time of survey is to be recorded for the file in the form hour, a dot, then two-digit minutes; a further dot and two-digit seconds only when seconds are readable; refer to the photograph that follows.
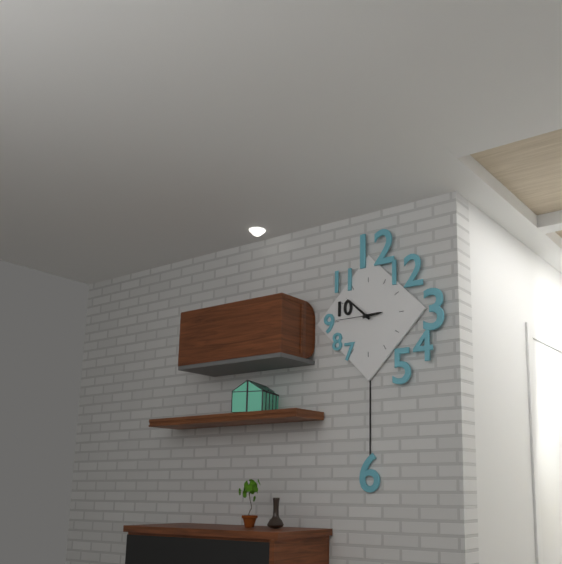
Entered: 2.52
